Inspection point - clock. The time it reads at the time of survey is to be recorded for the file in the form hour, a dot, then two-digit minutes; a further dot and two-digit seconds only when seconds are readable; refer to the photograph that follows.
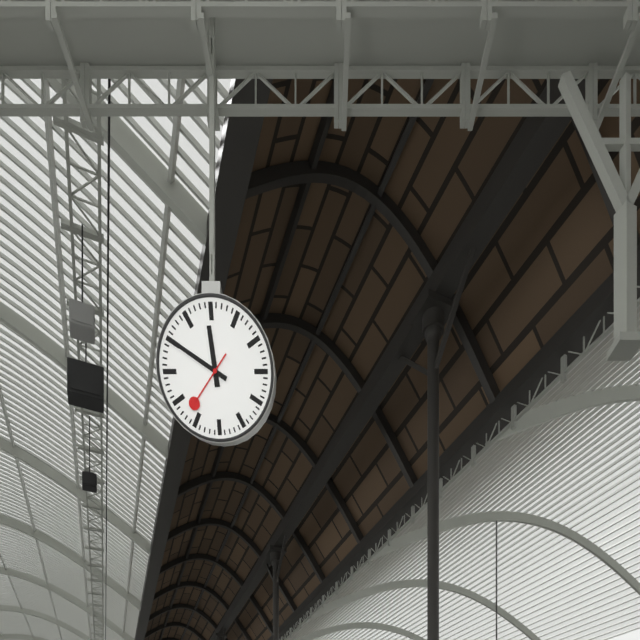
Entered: 11.50.37
